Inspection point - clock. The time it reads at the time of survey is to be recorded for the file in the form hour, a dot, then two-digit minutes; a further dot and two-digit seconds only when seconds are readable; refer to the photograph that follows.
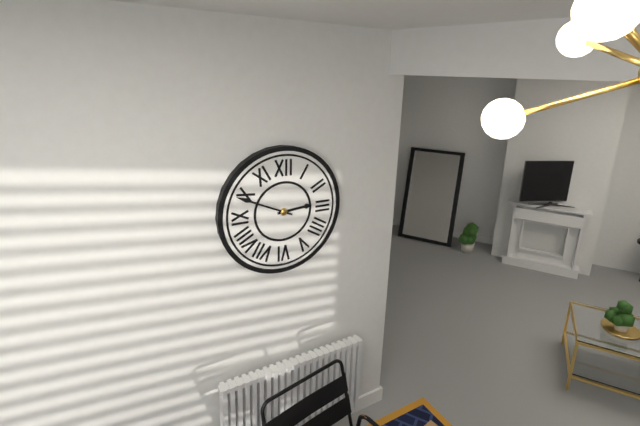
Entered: 2.49
